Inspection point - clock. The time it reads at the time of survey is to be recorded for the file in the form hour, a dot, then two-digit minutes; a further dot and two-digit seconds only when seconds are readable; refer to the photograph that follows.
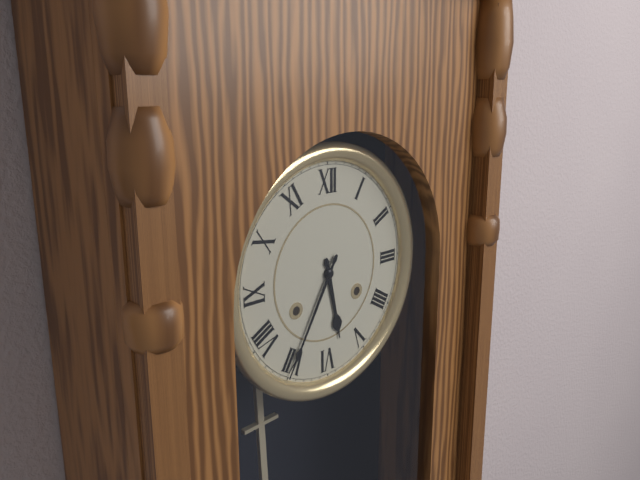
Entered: 5.35
